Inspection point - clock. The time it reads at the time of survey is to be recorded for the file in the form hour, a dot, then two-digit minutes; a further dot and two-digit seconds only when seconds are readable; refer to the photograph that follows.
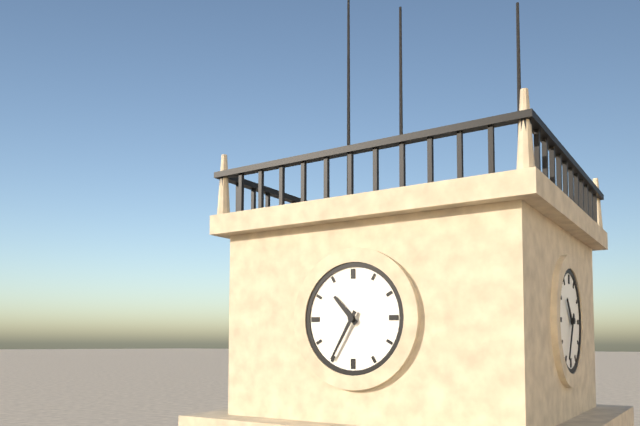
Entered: 10.35
